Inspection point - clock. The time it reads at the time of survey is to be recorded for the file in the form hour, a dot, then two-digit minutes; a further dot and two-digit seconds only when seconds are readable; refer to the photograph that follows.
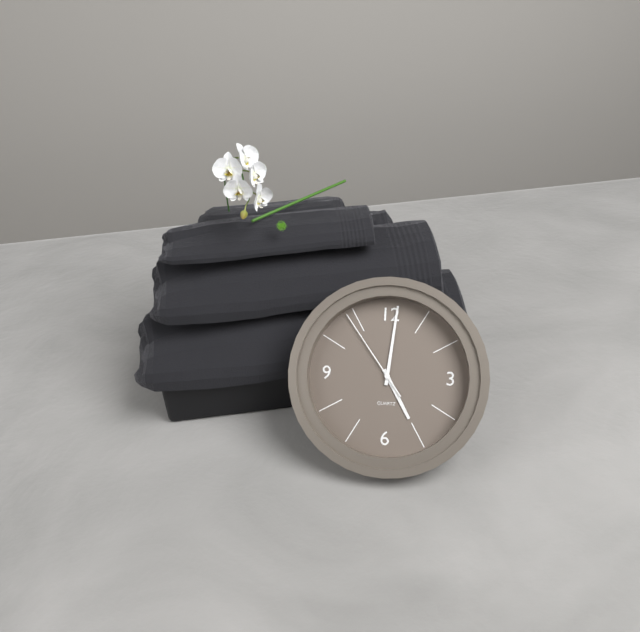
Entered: 5.01.54
